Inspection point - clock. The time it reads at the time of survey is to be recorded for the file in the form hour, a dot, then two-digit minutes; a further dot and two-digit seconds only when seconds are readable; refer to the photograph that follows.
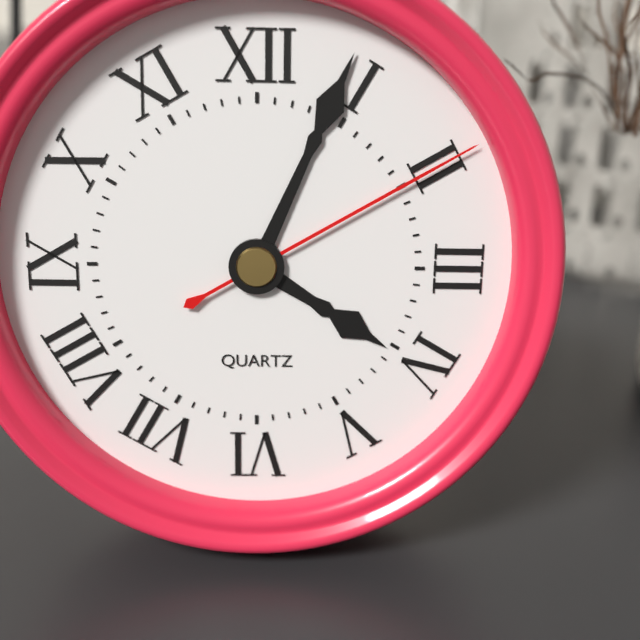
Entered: 4.04.10
